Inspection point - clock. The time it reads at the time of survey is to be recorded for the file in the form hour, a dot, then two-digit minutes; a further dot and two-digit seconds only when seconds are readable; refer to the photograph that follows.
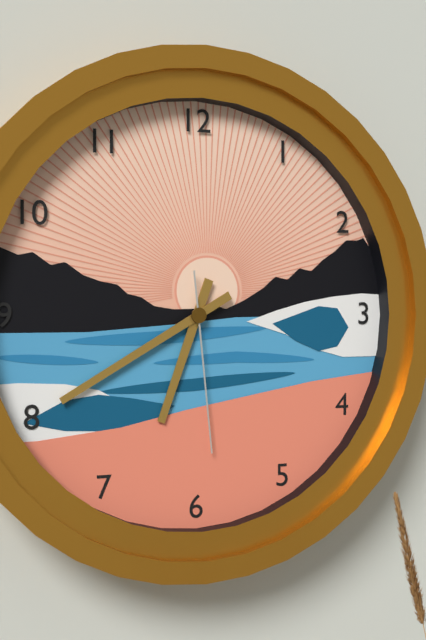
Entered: 6.40.29
